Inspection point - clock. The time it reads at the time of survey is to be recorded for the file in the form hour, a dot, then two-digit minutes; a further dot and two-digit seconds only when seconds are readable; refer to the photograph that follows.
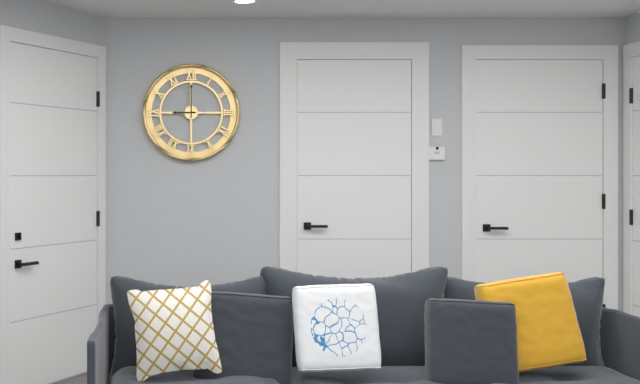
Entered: 9.00
